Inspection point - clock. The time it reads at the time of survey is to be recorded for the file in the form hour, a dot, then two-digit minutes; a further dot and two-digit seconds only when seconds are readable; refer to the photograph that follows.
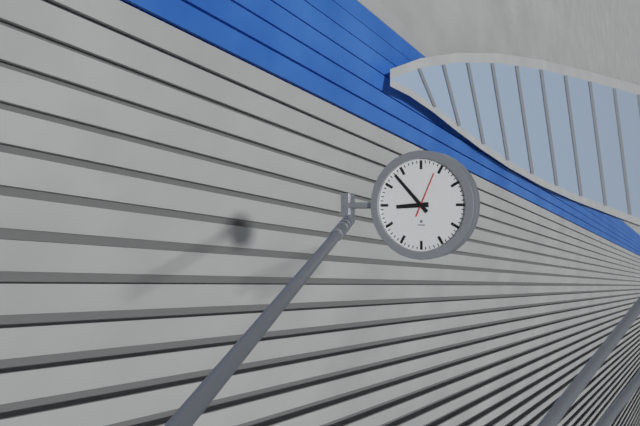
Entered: 8.53
